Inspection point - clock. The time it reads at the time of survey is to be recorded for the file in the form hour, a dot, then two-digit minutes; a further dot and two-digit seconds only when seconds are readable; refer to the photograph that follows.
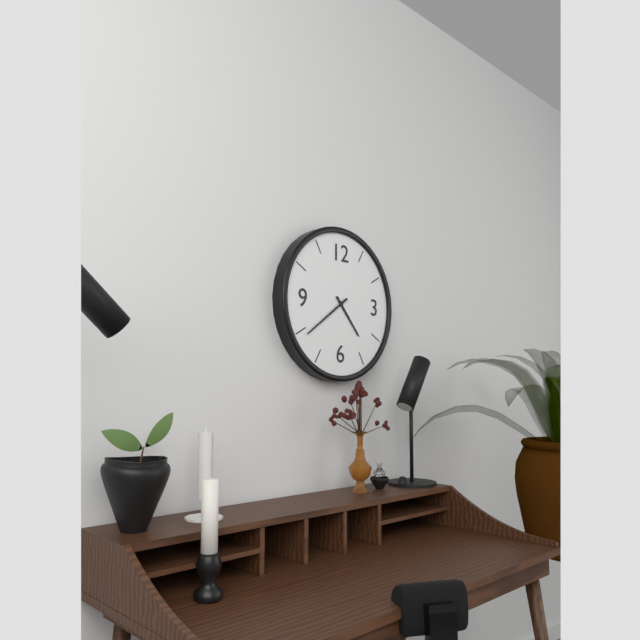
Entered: 4.39
